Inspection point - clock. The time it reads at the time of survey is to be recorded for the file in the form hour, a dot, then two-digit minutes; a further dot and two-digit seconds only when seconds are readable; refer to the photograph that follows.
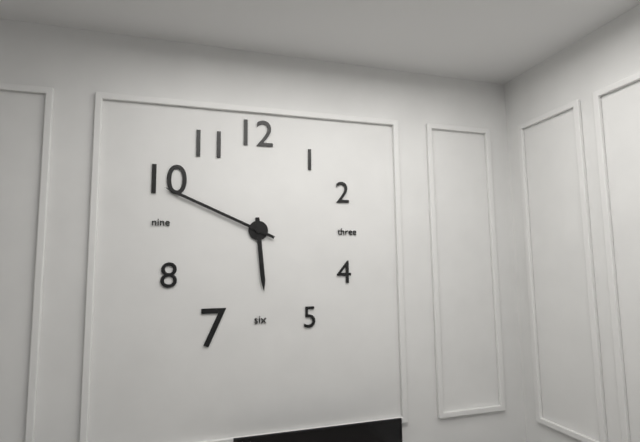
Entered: 5.49
